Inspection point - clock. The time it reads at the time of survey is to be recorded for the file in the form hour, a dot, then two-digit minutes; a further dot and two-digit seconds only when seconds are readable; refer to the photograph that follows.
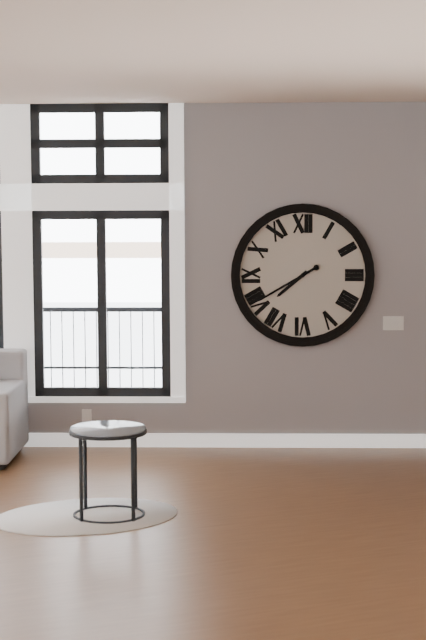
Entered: 7.40
